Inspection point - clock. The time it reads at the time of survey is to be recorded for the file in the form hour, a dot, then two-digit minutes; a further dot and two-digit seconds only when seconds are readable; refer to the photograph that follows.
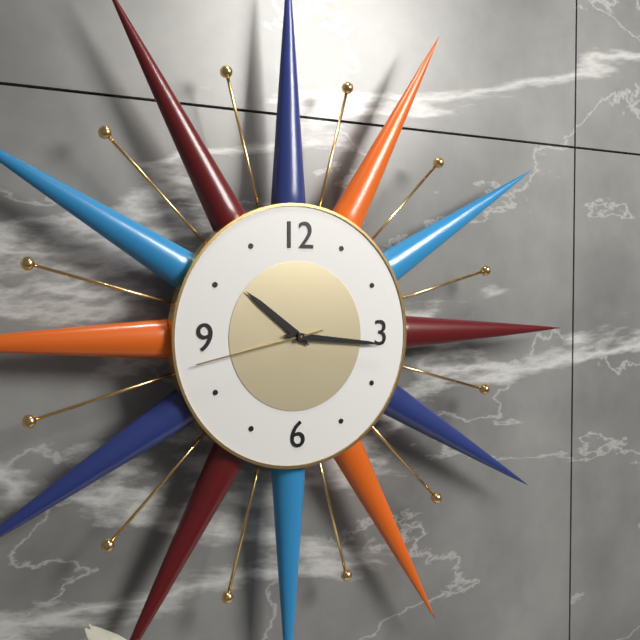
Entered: 10.16.43
